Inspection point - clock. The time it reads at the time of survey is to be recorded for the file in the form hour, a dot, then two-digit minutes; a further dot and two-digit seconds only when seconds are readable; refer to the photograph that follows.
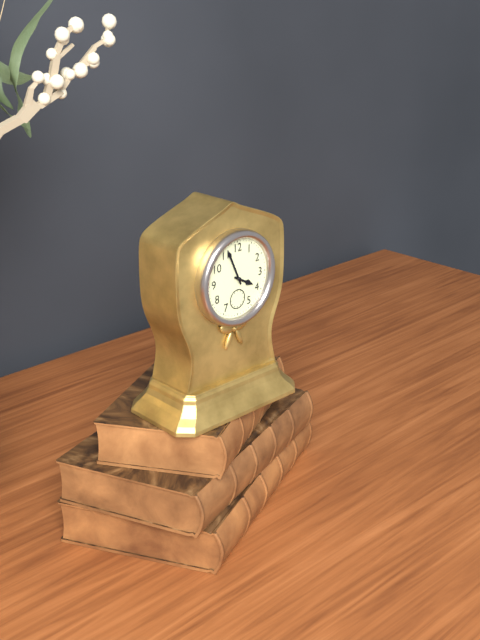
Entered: 3.56
